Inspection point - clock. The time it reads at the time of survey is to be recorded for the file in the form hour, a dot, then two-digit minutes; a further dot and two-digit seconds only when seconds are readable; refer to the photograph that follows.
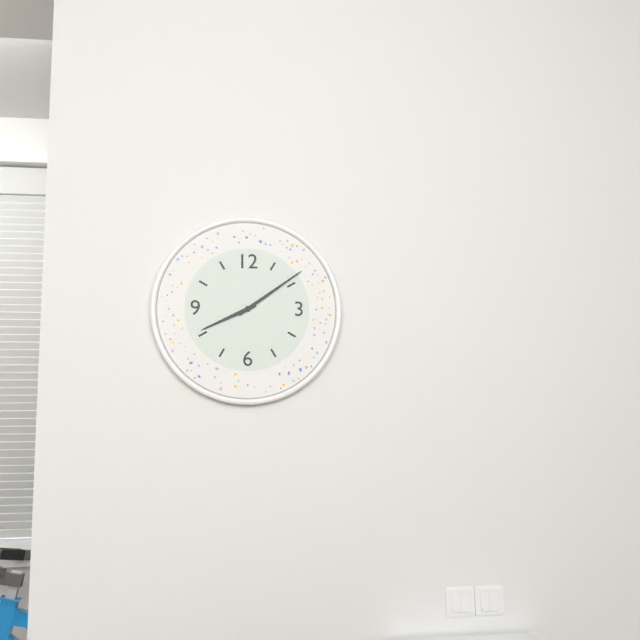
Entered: 8.09
